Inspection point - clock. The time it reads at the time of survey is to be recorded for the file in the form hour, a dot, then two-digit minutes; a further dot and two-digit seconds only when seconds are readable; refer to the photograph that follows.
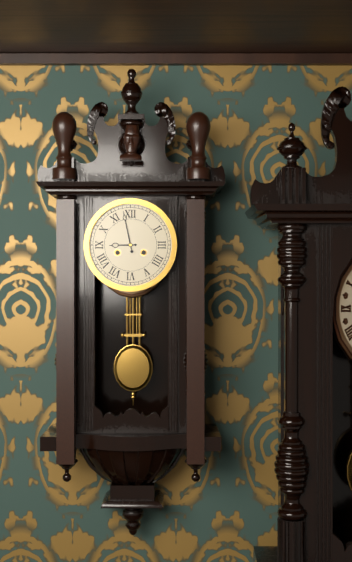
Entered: 8.58
